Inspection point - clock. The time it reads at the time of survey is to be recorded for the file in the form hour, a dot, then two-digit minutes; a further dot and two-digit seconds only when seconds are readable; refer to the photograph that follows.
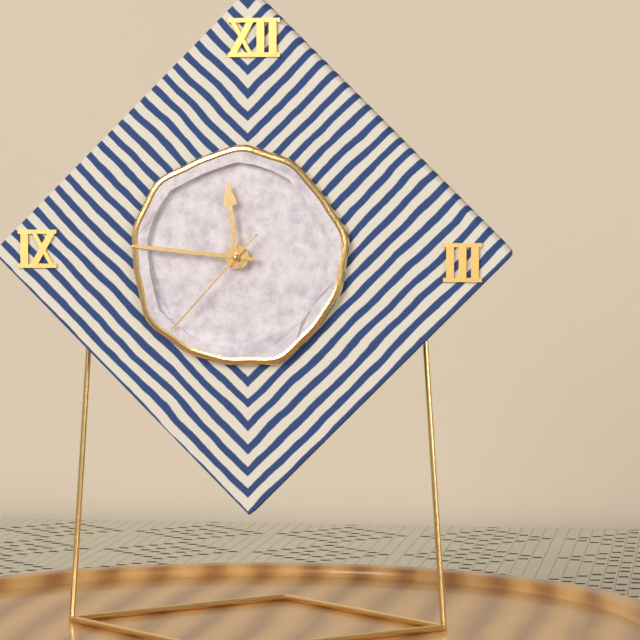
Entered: 11.46.37
